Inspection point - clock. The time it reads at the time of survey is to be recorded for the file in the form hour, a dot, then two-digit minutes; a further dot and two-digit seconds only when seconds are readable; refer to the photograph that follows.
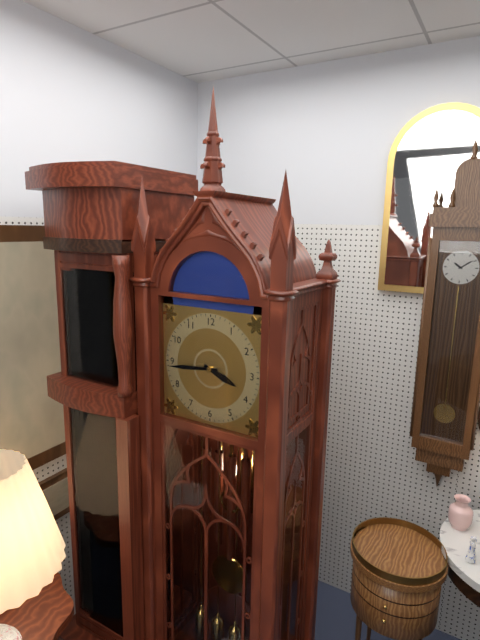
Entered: 3.44
